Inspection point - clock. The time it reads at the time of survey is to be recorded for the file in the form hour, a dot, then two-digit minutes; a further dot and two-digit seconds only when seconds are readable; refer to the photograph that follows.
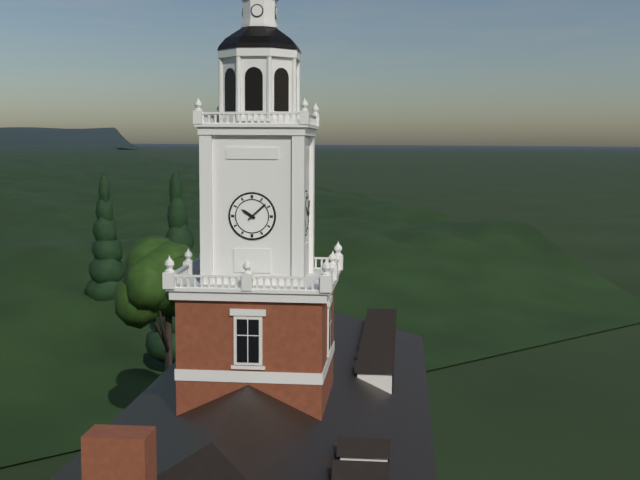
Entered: 10.08
